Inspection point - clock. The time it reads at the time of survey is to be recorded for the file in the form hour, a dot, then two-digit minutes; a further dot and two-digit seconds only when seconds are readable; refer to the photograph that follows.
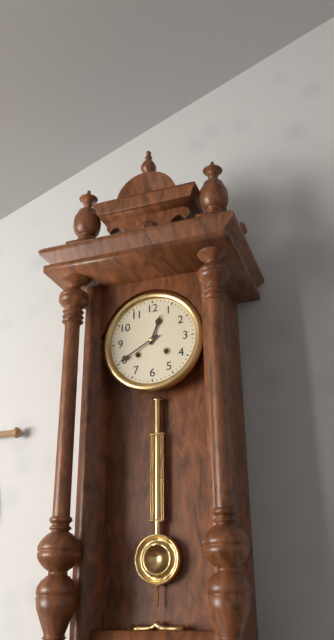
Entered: 12.40
